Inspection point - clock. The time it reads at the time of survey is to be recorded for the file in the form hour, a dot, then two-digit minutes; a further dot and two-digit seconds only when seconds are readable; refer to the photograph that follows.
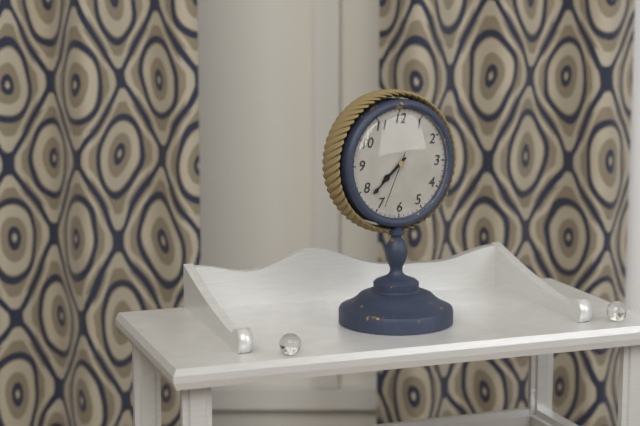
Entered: 7.38.34
